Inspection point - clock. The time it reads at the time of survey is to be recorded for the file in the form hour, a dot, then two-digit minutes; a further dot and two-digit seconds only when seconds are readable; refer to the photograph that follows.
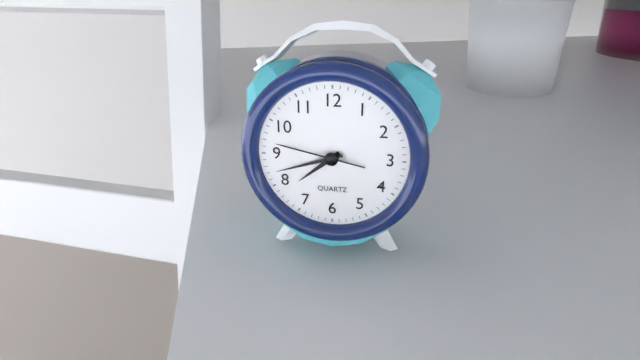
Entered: 7.42.47
